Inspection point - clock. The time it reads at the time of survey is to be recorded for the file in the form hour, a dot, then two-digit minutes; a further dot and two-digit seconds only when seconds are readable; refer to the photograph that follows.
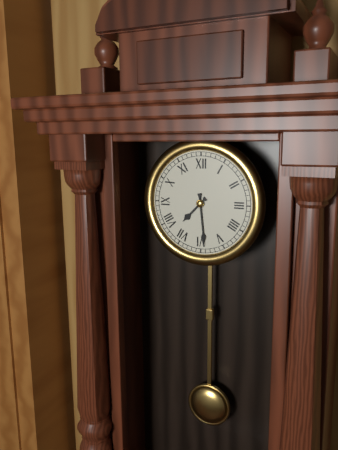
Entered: 7.29
